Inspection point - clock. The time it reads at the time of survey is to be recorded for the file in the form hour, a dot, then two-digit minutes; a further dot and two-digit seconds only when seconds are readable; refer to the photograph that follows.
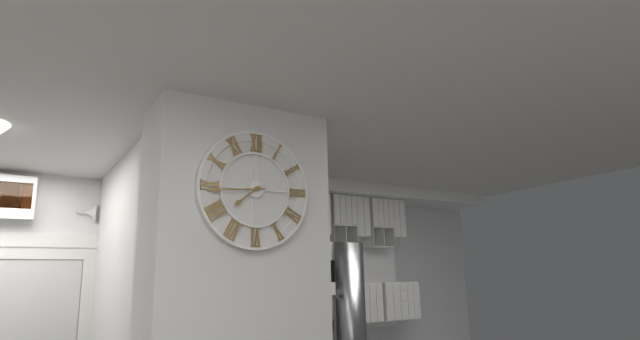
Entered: 7.44
